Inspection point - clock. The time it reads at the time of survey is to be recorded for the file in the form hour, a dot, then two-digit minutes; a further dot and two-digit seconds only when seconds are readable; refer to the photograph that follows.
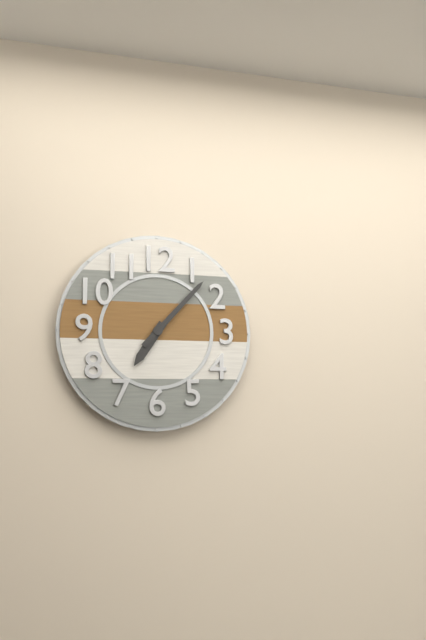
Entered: 7.07
